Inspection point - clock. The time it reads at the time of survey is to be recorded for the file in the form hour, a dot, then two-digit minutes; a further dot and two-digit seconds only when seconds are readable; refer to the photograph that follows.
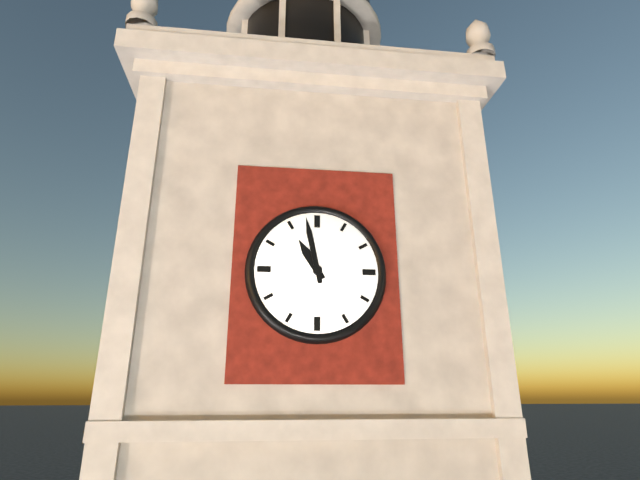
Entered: 10.58
